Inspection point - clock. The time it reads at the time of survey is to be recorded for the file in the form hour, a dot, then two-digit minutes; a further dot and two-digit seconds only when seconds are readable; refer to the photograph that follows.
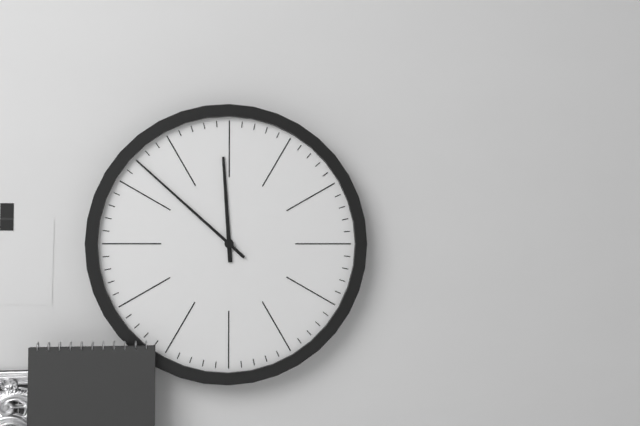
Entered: 11.52
